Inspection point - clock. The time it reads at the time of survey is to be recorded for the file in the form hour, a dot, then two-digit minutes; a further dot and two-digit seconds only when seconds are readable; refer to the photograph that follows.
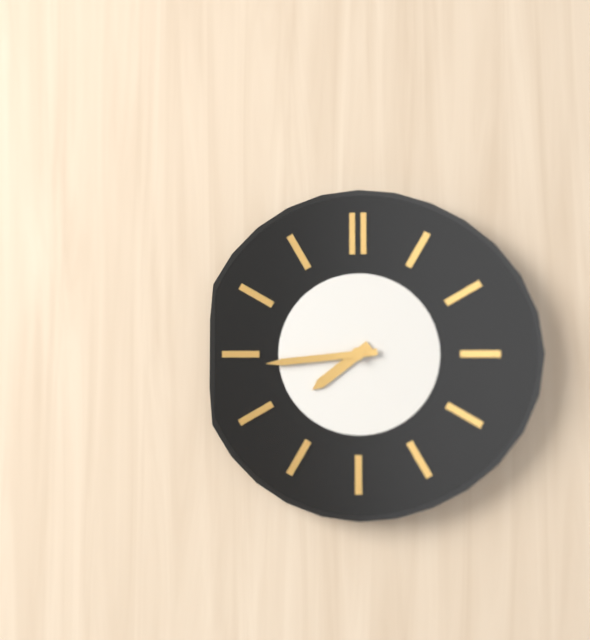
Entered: 7.44
